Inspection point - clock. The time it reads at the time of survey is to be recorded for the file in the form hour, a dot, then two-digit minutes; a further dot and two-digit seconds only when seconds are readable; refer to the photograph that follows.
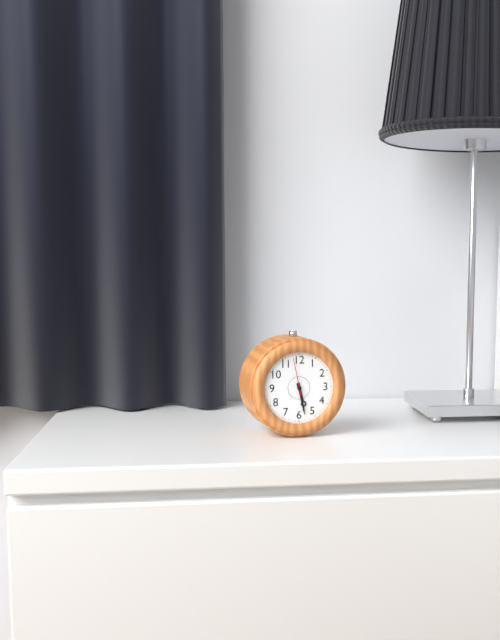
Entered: 5.28
